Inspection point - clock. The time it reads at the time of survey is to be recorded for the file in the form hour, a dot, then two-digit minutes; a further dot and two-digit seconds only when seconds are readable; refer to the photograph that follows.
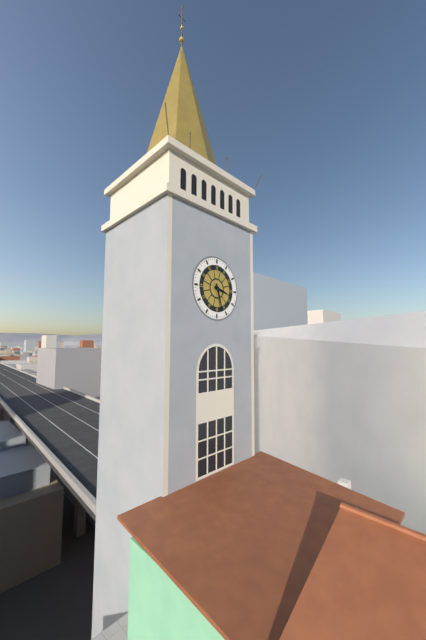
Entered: 3.27
